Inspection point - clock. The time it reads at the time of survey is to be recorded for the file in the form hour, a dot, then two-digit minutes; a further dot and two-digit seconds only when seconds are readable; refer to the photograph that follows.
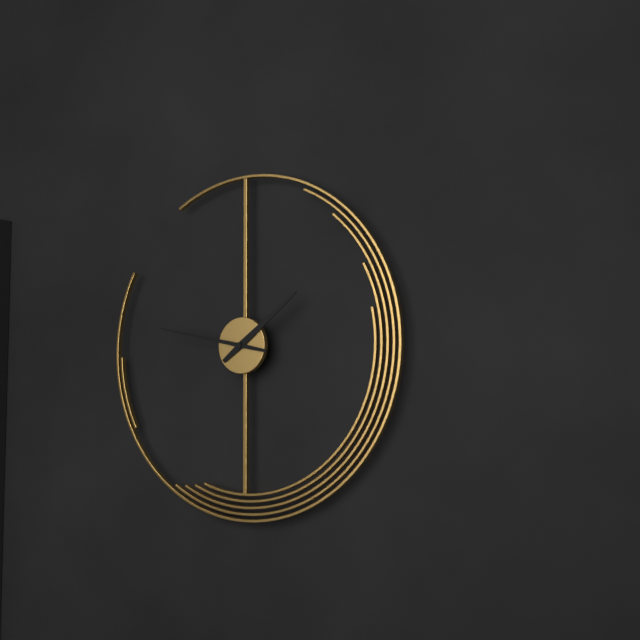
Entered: 1.47
